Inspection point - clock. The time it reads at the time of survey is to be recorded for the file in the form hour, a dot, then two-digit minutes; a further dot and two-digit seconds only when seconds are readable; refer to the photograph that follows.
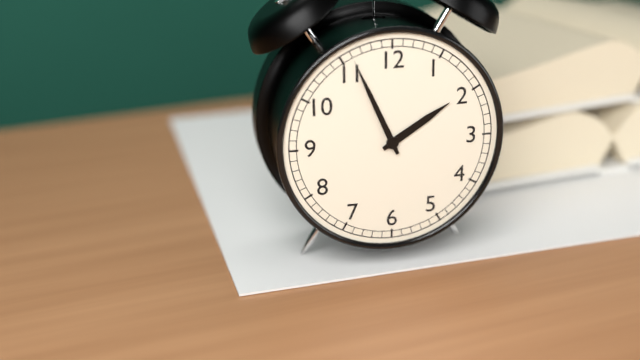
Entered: 1.56
